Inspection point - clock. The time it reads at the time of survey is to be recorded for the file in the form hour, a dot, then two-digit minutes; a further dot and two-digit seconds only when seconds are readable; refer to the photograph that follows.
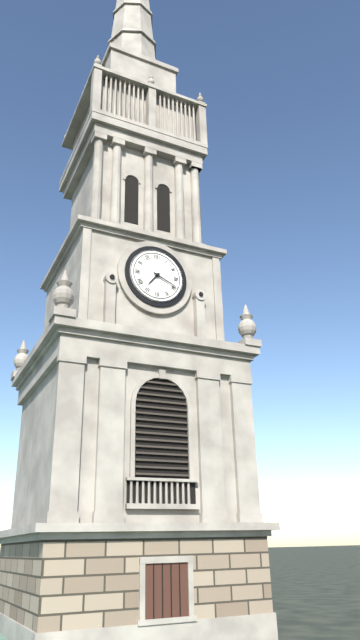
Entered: 7.19
